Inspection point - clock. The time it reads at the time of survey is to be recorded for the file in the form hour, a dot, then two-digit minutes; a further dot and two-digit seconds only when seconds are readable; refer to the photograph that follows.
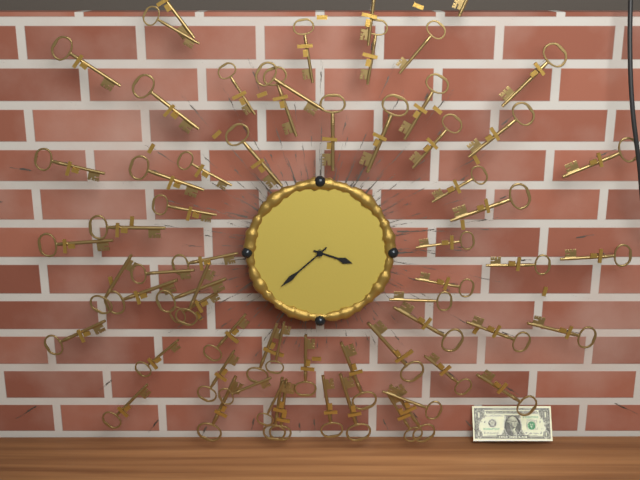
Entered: 3.38
